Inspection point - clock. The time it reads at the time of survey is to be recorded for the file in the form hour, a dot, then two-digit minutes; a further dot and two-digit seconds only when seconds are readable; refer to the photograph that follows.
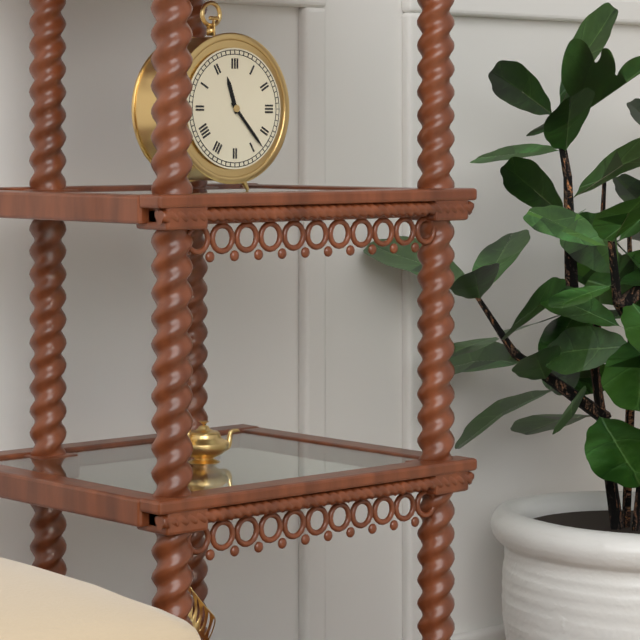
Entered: 11.23
